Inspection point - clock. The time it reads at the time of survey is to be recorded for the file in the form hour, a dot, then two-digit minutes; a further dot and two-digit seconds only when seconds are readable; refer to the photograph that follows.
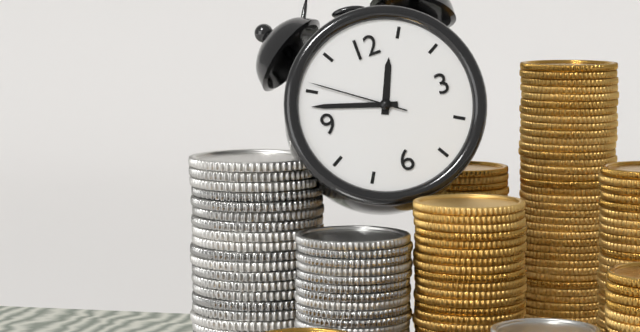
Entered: 12.48.51
